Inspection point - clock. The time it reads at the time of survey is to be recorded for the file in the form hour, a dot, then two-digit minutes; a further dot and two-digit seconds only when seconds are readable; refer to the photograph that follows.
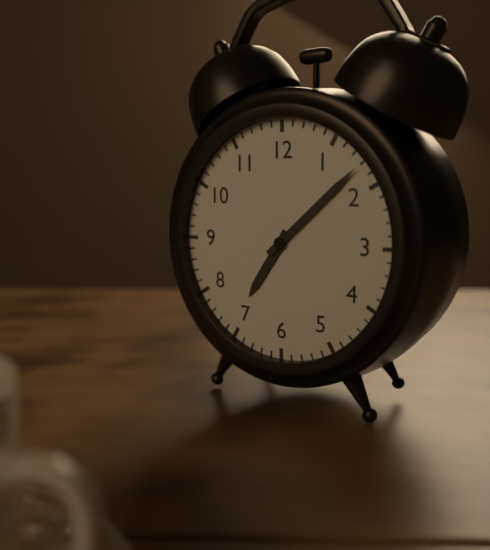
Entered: 7.08
